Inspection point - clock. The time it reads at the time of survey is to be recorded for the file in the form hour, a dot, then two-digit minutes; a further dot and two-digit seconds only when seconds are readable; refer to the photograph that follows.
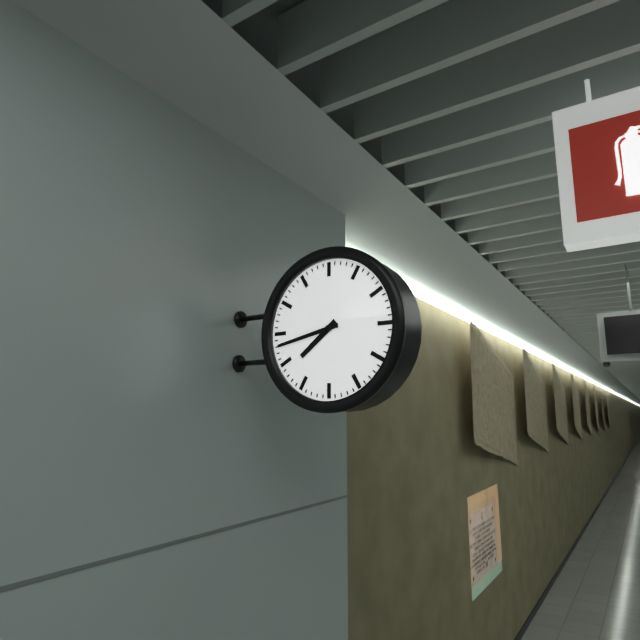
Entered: 7.43
